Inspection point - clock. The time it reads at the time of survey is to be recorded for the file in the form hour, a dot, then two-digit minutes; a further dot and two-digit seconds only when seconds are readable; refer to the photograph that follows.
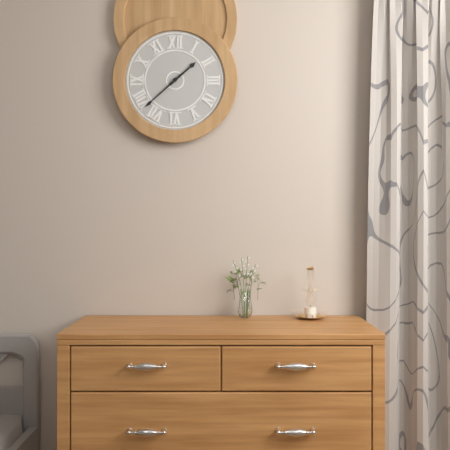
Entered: 1.38
